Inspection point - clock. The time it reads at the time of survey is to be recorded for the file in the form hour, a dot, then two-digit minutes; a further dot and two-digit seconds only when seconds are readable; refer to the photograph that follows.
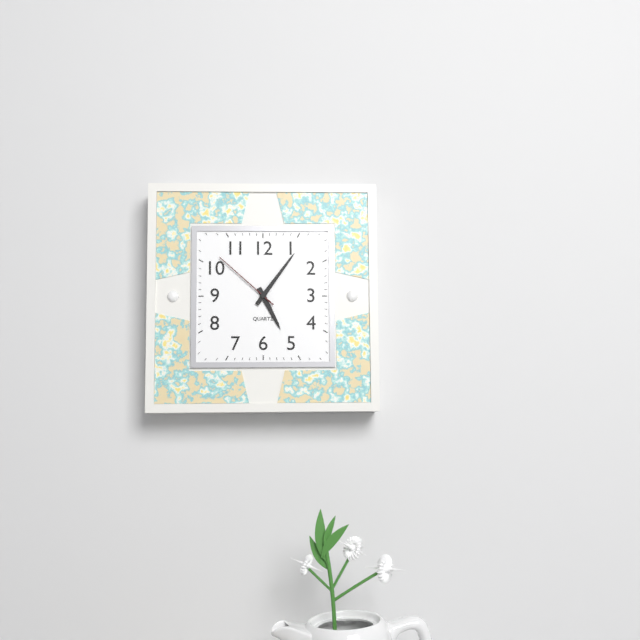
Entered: 5.06.52
